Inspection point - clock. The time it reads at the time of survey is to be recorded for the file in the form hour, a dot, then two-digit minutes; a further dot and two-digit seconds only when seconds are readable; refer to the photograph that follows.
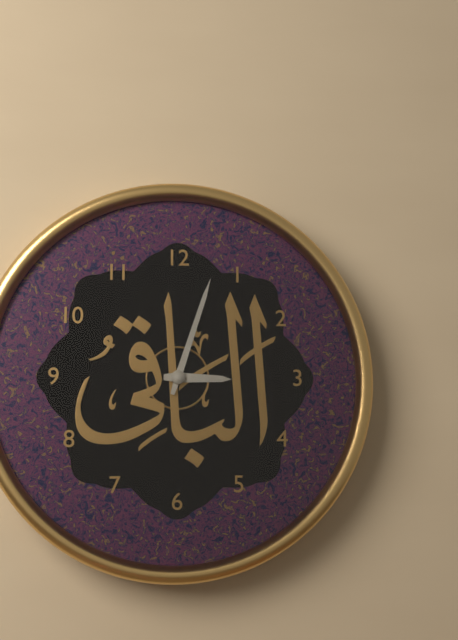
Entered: 3.03
